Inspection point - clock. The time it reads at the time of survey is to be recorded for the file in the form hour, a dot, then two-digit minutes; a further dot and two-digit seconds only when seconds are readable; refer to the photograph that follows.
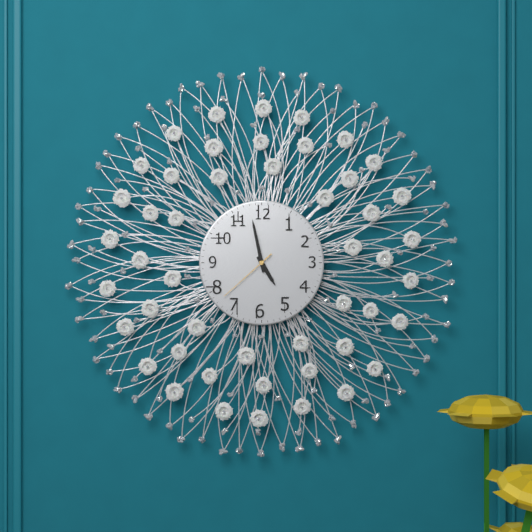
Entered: 4.58.38
